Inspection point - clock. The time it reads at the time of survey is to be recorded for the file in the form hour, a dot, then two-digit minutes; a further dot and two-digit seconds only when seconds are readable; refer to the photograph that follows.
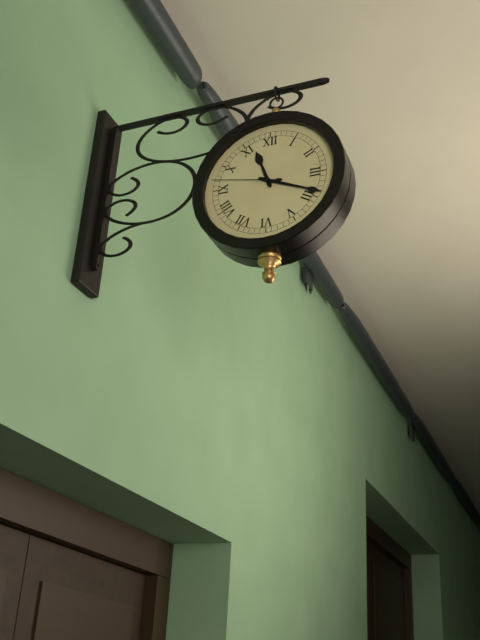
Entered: 11.19.47
